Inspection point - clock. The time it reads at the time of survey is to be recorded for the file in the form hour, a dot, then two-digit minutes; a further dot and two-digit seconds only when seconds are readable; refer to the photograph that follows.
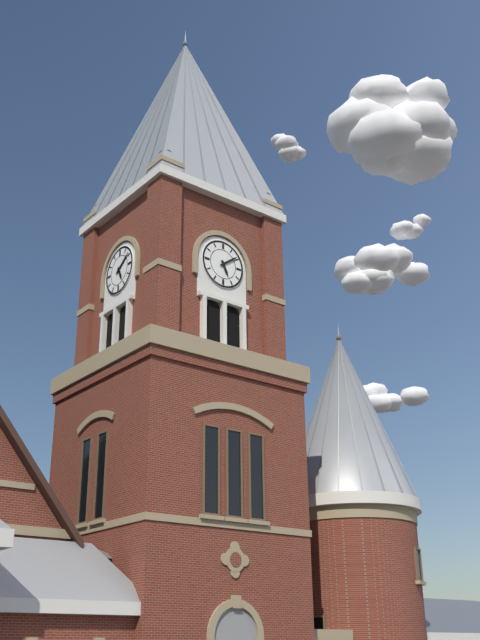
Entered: 5.09
